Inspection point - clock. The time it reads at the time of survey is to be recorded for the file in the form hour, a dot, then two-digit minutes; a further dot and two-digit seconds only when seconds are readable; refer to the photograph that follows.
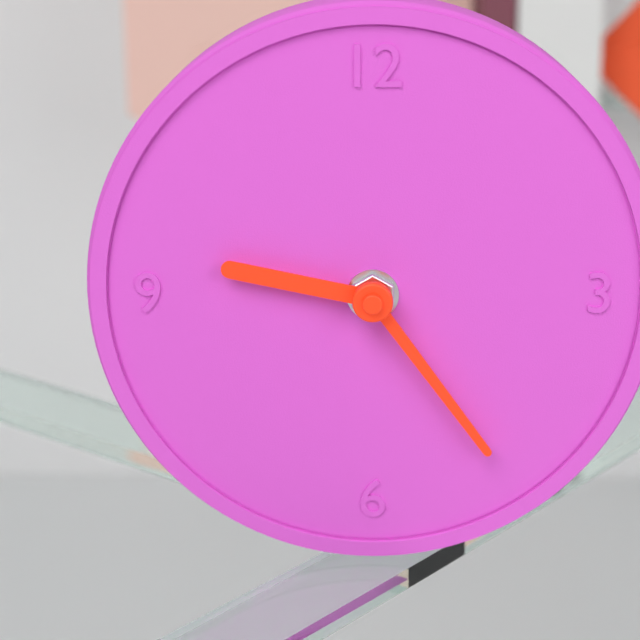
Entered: 9.24
